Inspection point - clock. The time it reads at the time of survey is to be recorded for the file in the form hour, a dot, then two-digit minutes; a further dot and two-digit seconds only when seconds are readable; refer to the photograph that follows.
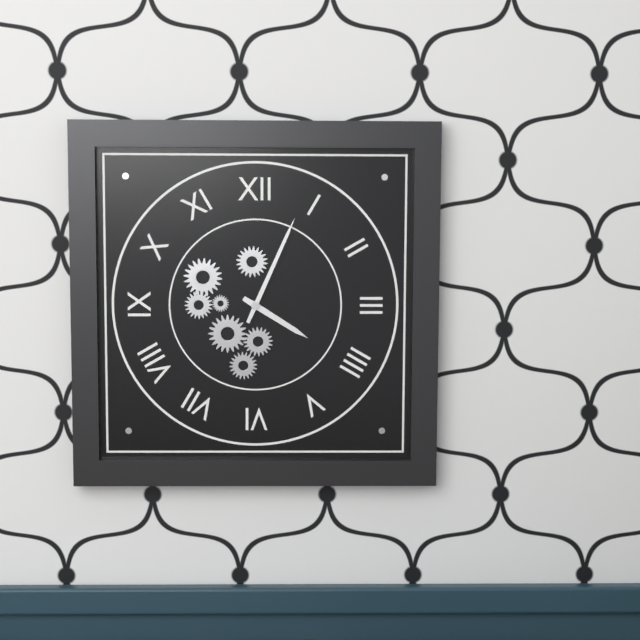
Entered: 4.04
